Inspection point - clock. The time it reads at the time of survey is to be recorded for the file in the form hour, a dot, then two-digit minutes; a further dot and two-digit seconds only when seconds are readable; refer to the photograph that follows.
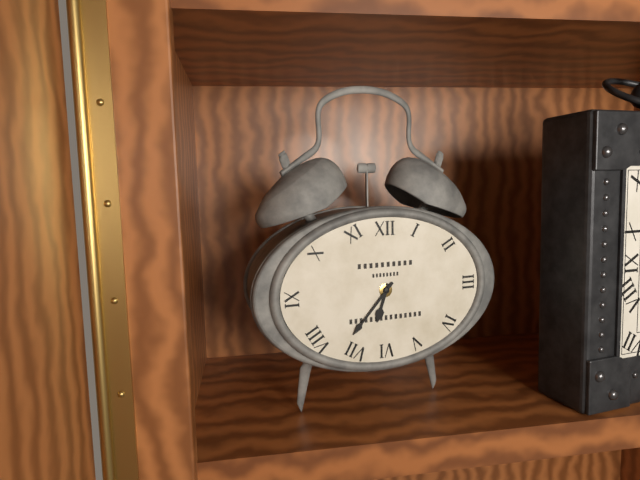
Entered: 6.37
